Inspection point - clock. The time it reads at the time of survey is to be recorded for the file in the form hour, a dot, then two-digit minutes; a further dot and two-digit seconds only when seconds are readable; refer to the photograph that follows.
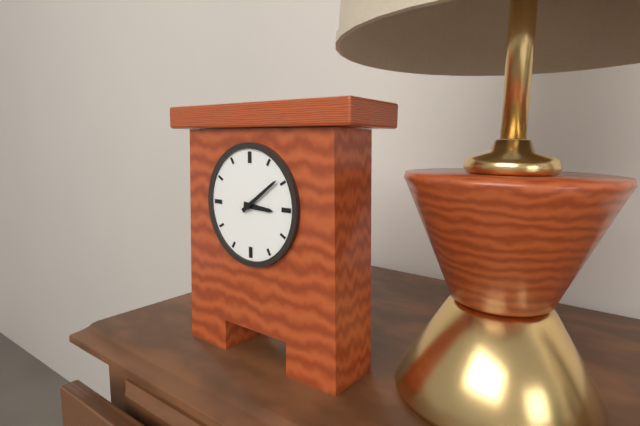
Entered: 3.09
